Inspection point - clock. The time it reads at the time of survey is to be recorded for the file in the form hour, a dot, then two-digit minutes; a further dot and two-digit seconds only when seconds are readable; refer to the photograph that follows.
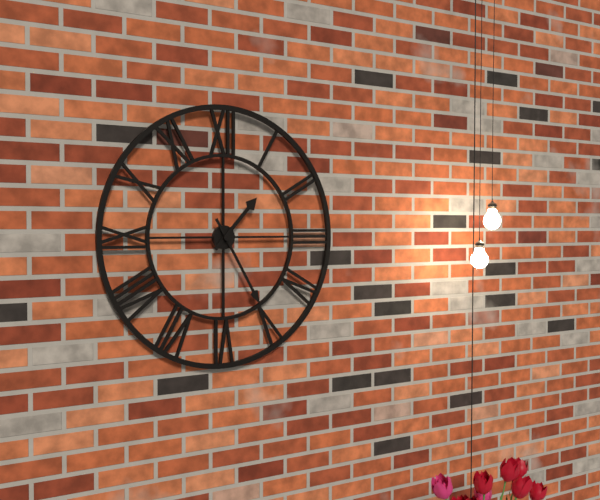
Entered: 1.25
